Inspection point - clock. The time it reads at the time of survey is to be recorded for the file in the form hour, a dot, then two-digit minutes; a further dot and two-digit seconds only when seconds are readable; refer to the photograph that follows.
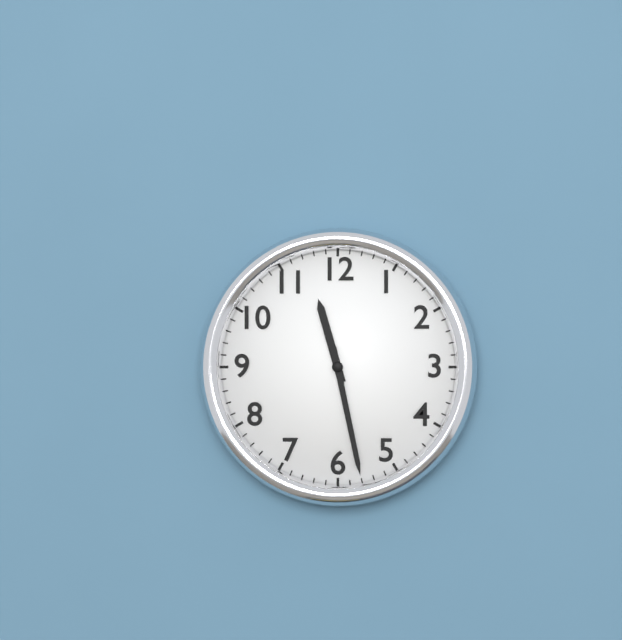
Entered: 11.28
